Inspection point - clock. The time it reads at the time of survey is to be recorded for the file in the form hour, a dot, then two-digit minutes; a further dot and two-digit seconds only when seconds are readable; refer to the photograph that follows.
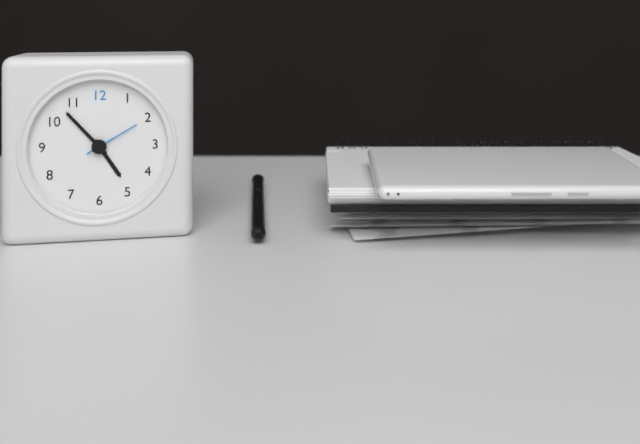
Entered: 4.53.10
